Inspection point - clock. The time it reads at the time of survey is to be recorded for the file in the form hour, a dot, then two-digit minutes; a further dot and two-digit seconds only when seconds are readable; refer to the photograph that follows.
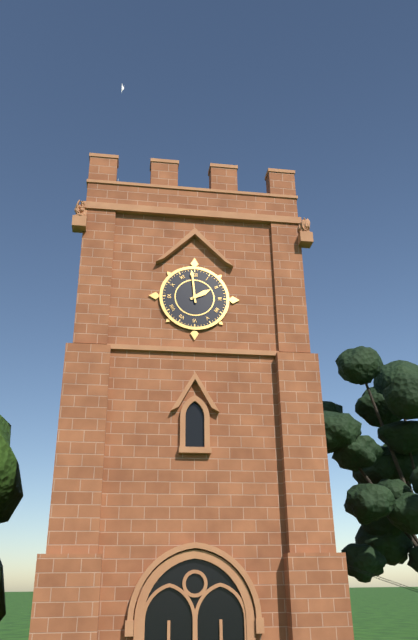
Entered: 1.59
